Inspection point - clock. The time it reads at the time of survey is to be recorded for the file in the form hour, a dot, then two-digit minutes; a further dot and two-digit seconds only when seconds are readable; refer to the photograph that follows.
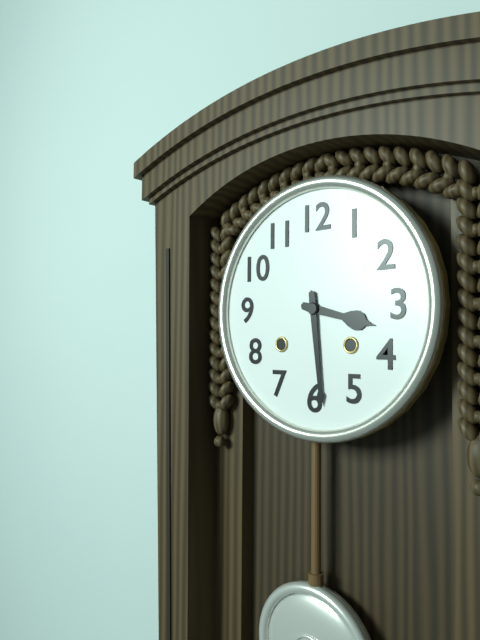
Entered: 3.29
